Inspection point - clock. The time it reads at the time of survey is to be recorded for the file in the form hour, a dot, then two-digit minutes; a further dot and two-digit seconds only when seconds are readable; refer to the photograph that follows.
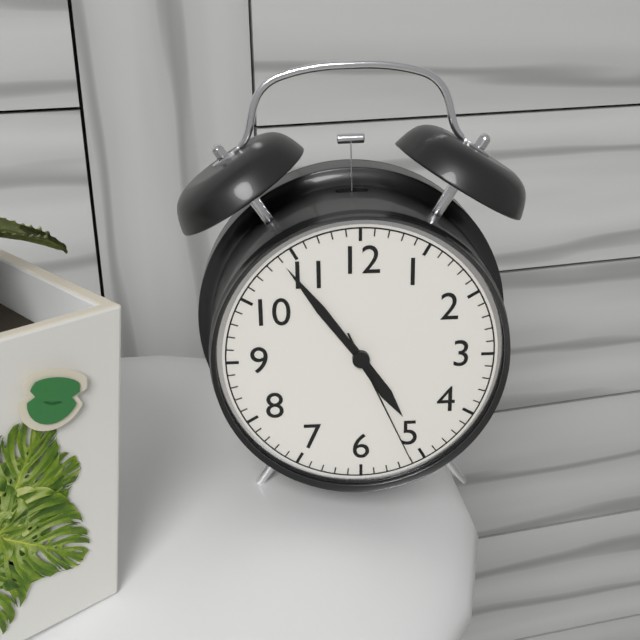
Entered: 4.54.26
